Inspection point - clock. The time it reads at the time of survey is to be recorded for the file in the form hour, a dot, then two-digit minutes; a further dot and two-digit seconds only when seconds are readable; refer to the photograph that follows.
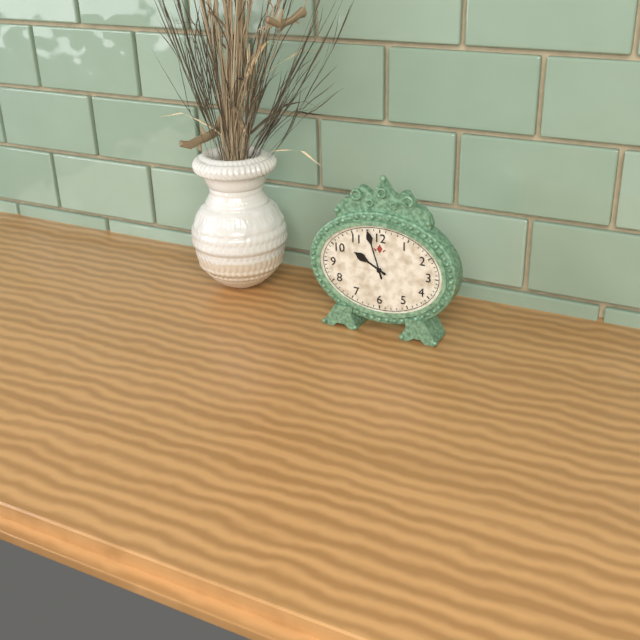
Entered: 9.57
